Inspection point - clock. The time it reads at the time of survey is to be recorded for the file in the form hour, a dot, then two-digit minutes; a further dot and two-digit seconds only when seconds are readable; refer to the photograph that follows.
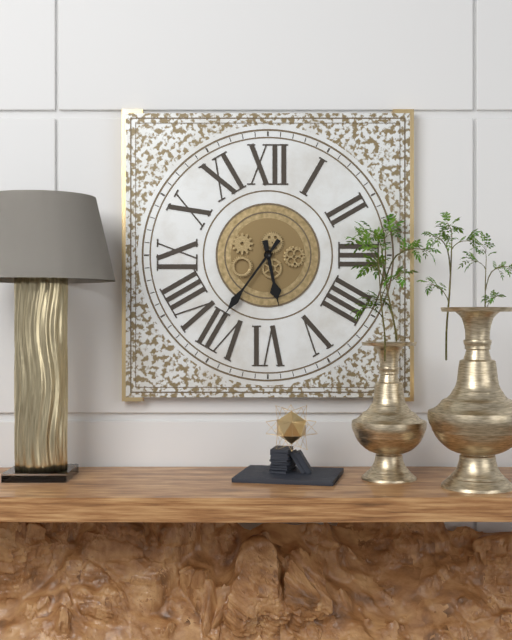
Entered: 5.36
